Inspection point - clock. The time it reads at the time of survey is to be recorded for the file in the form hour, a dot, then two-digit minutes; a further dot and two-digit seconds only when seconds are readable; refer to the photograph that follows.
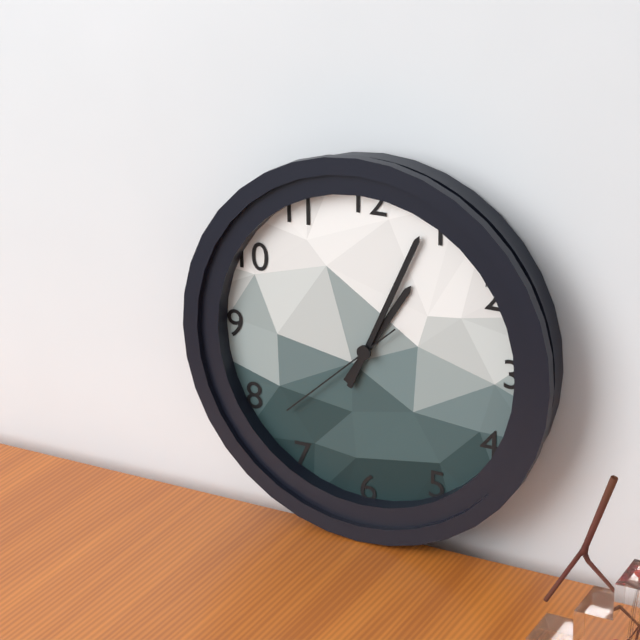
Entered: 1.04.38
